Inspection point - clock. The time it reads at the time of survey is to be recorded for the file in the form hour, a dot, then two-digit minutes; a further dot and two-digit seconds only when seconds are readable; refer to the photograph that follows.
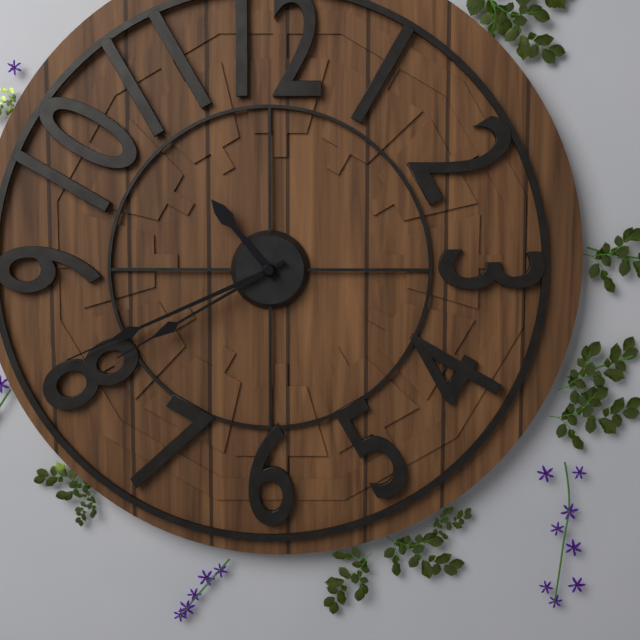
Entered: 10.41.40
